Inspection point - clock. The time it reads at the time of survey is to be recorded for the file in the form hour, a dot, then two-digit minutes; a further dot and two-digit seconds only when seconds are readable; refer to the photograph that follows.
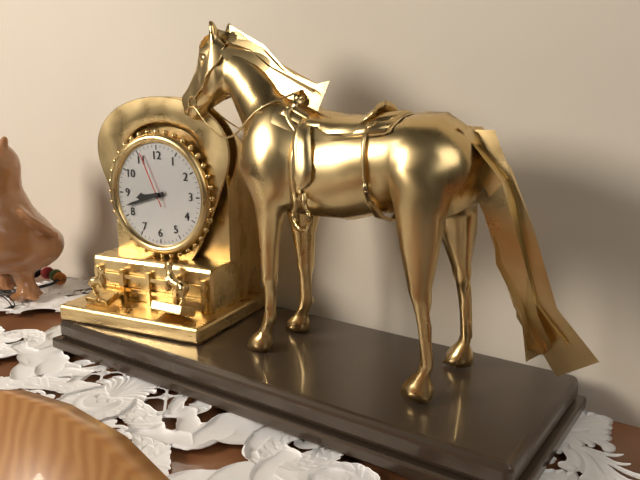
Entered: 8.42.56
